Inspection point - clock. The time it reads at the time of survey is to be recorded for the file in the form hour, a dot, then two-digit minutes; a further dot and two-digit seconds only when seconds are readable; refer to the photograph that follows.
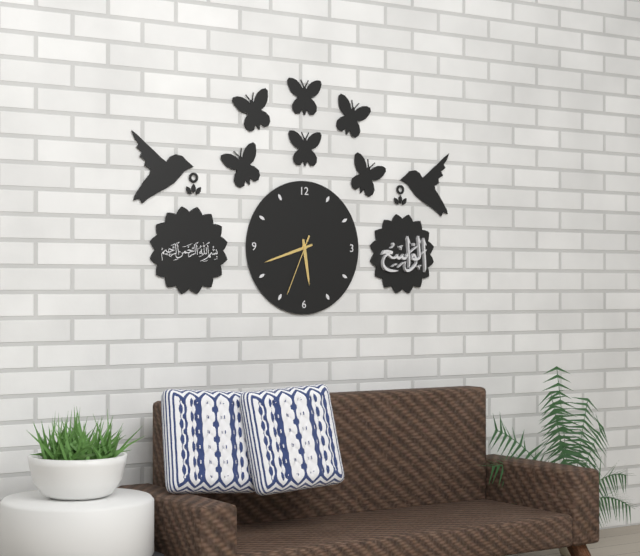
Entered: 5.42.34
